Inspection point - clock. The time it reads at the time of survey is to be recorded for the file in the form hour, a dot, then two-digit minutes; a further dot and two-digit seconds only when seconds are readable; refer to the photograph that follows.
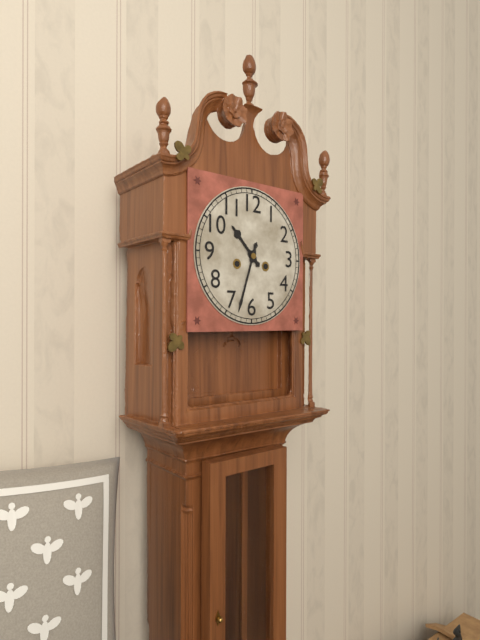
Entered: 10.33
